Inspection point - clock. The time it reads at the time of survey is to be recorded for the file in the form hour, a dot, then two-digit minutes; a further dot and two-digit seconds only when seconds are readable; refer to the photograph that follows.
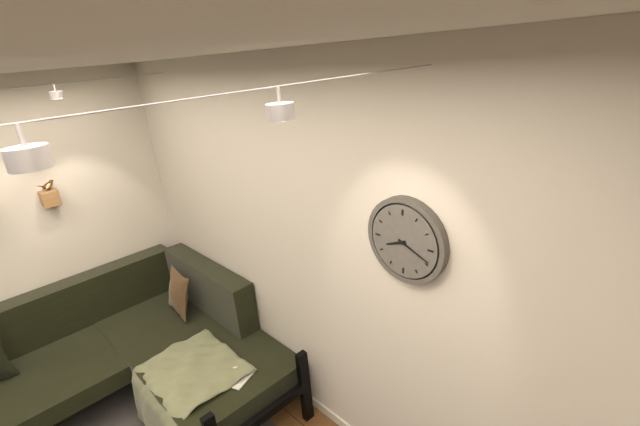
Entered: 8.19
